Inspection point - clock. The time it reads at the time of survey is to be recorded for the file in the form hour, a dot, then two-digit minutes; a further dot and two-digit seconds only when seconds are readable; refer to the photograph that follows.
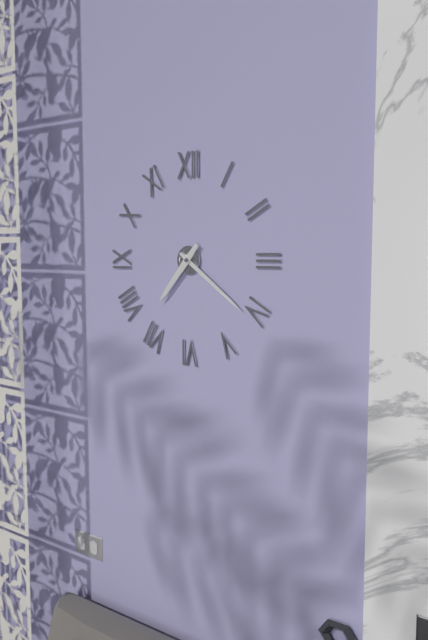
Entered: 7.21
